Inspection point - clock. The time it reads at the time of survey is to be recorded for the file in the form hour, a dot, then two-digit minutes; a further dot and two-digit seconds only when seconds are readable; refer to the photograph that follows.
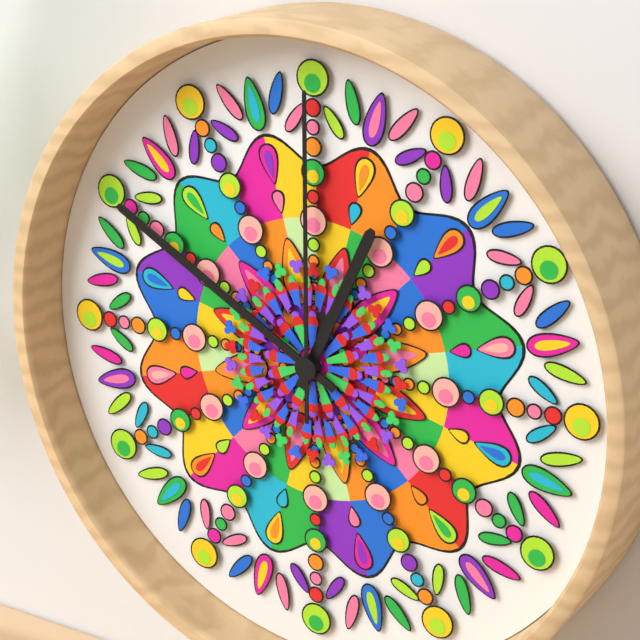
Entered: 12.50.00
